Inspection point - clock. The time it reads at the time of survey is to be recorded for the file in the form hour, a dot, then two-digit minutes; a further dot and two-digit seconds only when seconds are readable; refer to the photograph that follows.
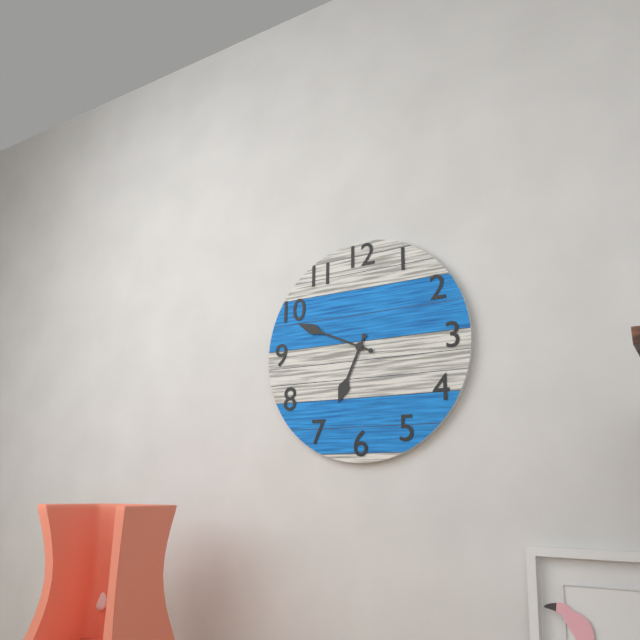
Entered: 6.49
